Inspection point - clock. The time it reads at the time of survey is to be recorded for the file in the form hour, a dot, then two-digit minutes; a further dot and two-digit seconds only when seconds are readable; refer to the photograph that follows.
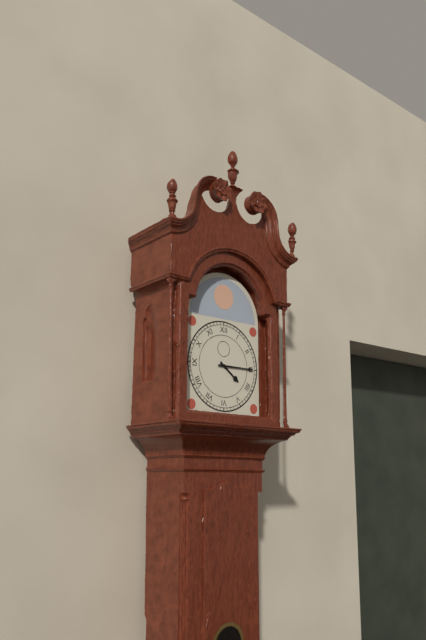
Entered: 4.15
